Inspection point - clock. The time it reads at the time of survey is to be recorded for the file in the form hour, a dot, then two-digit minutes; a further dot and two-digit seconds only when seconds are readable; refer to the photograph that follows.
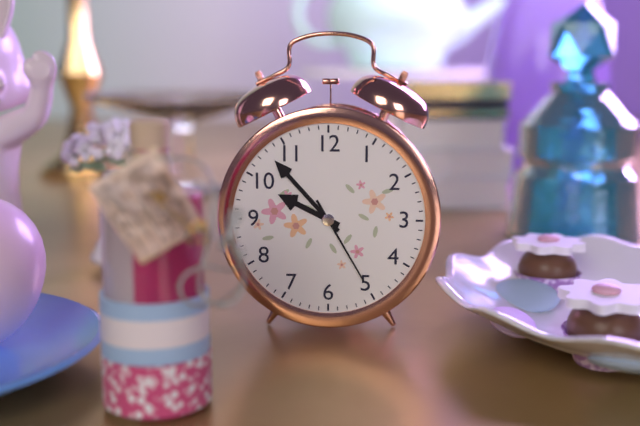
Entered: 9.53.25
